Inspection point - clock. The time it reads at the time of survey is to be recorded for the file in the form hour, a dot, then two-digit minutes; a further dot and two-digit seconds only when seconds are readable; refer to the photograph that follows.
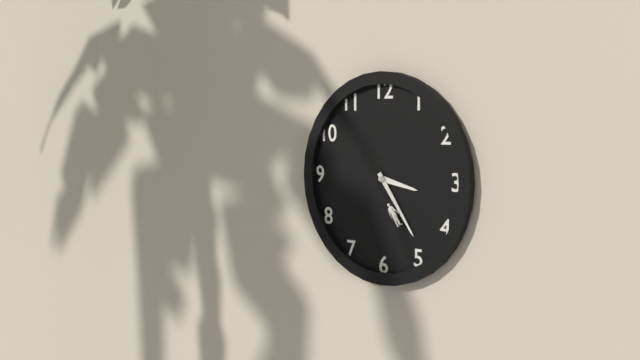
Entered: 3.24
